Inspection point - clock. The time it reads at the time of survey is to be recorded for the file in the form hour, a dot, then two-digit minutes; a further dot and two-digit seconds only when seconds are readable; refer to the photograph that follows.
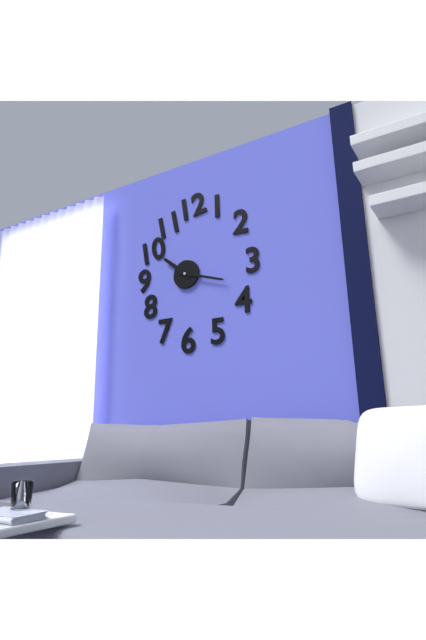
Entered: 10.18
